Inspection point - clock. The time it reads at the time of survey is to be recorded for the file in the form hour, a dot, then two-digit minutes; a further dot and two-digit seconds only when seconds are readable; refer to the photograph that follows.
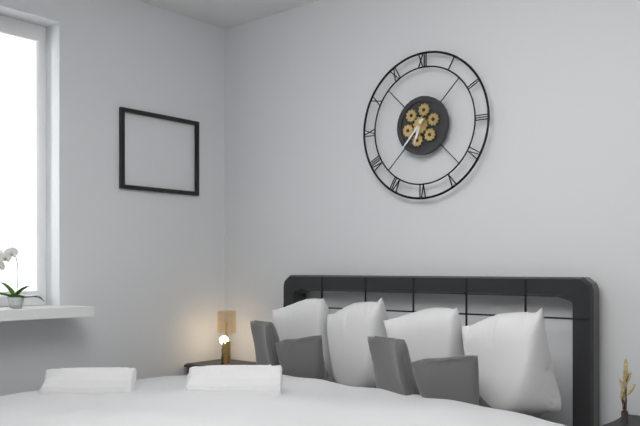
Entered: 6.37
